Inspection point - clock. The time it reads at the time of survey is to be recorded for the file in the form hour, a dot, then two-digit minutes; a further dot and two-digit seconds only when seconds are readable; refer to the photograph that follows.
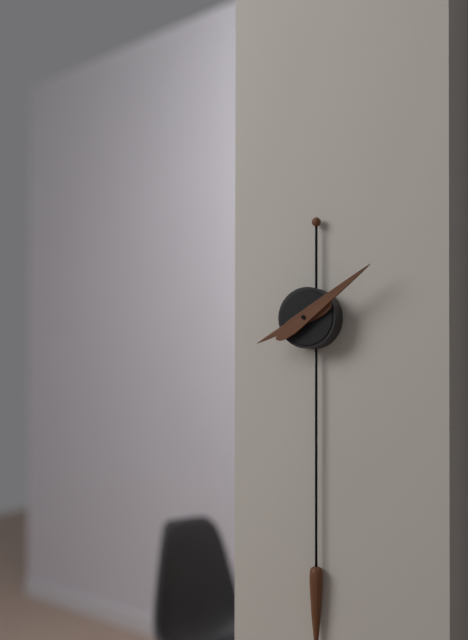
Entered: 8.09
